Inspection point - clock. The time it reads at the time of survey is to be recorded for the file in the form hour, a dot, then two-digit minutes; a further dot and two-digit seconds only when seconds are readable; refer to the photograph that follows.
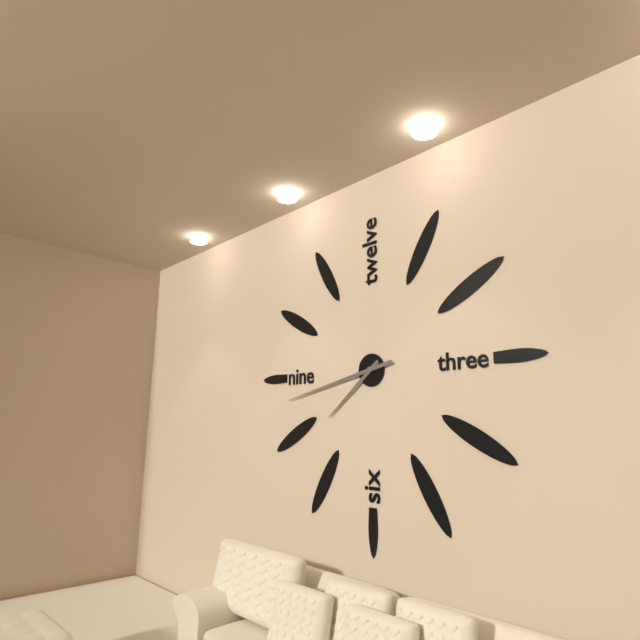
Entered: 7.43
